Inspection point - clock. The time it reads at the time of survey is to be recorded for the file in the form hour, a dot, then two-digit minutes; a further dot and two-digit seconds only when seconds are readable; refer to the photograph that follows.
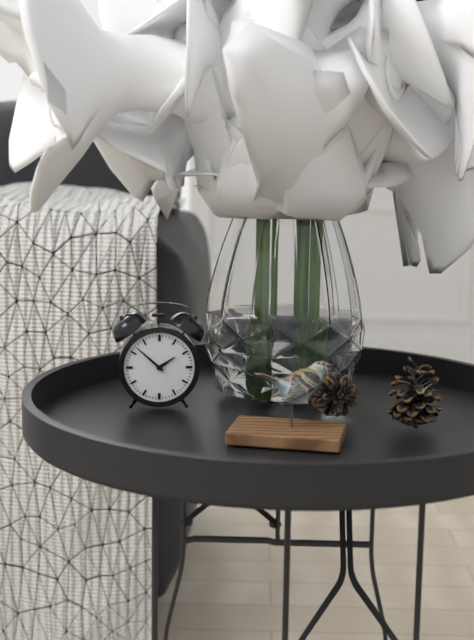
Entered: 1.52
